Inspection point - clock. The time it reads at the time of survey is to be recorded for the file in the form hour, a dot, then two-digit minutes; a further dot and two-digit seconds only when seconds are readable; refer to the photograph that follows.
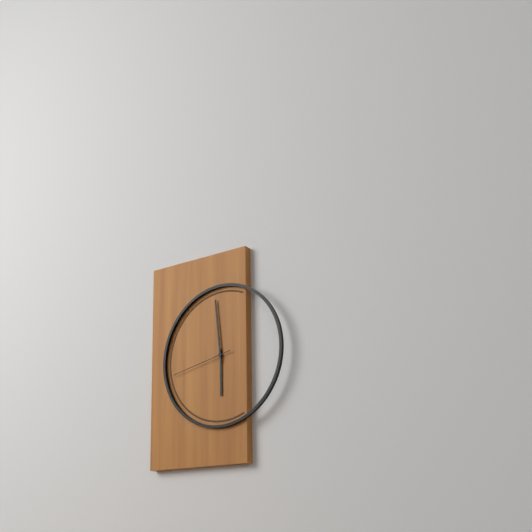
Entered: 5.59.43
